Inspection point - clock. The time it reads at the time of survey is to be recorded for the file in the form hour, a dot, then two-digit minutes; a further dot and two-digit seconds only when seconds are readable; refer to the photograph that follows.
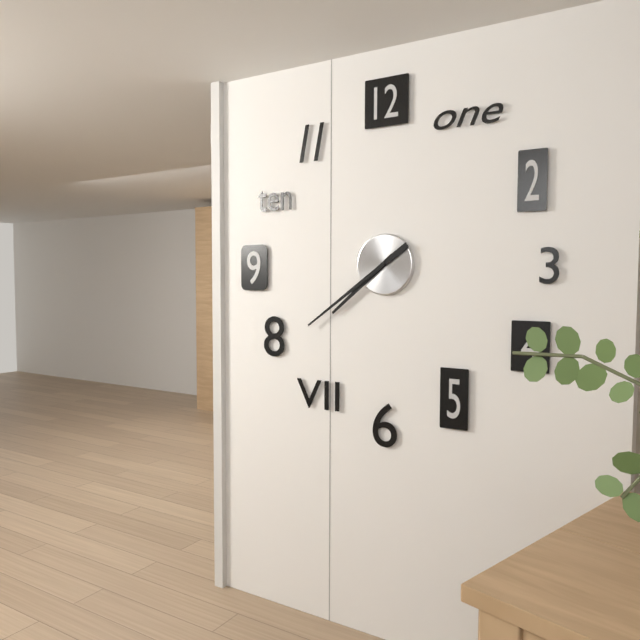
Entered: 7.39
